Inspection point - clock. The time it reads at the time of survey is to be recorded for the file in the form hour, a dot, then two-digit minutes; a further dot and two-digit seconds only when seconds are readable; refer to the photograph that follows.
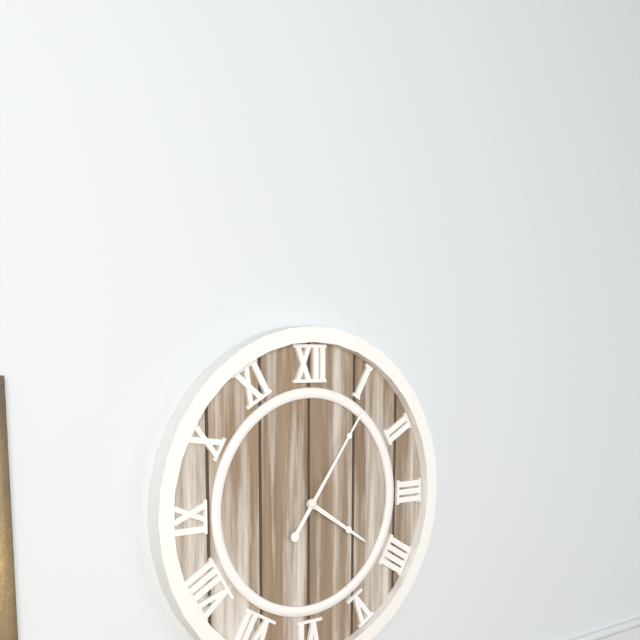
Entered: 4.06
